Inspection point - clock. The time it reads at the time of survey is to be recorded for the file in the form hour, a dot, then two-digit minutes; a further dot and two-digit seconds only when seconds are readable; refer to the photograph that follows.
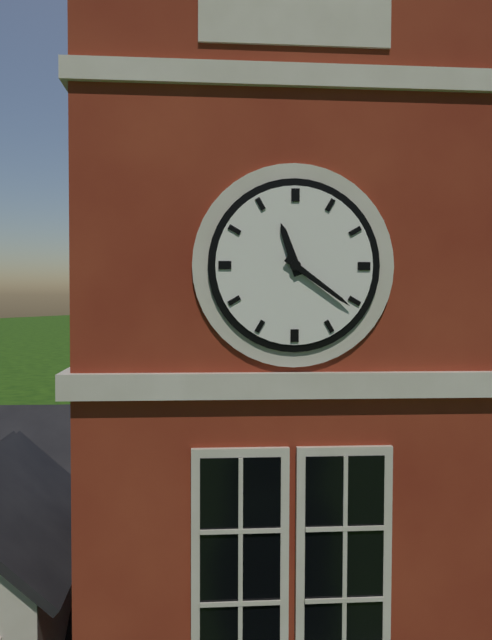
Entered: 11.21
